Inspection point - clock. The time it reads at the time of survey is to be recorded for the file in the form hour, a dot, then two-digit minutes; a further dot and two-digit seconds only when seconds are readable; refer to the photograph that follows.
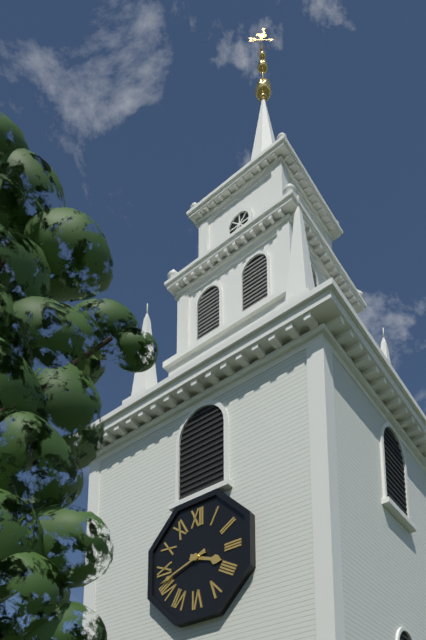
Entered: 3.42
